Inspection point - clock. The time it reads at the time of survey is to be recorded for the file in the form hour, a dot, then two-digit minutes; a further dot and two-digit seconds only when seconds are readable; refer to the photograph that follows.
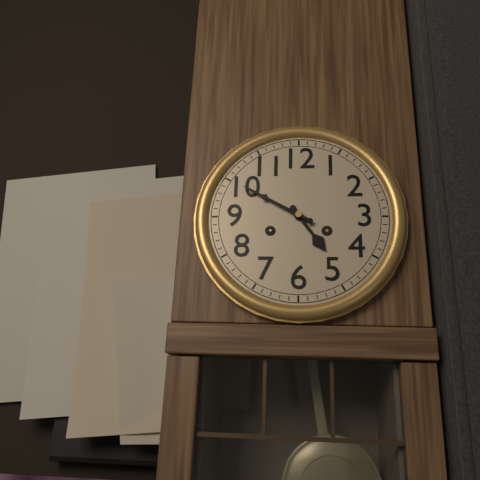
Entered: 4.50
